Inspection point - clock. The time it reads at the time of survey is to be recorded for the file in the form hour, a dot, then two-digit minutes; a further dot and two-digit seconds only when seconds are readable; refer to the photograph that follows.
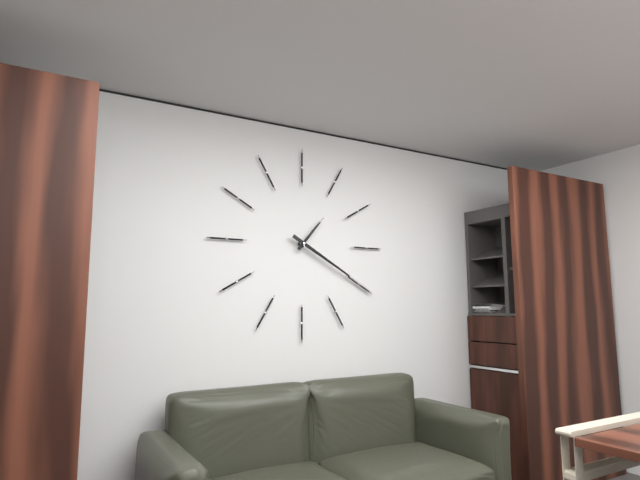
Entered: 1.20
